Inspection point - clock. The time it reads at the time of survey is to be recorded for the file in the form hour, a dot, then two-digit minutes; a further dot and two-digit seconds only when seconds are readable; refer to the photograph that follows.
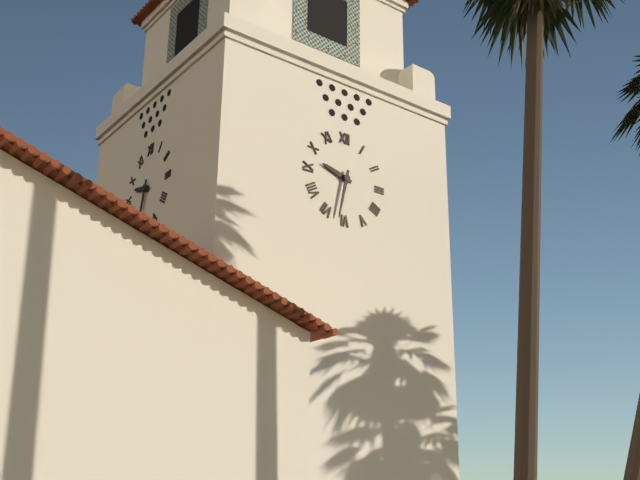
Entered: 9.32
